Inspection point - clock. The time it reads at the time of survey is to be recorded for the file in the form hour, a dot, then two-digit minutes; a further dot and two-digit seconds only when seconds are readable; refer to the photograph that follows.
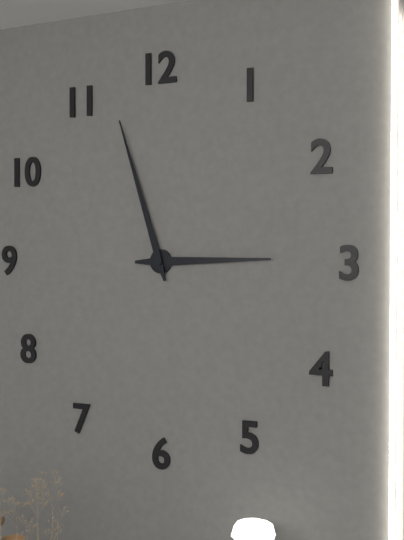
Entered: 2.57
